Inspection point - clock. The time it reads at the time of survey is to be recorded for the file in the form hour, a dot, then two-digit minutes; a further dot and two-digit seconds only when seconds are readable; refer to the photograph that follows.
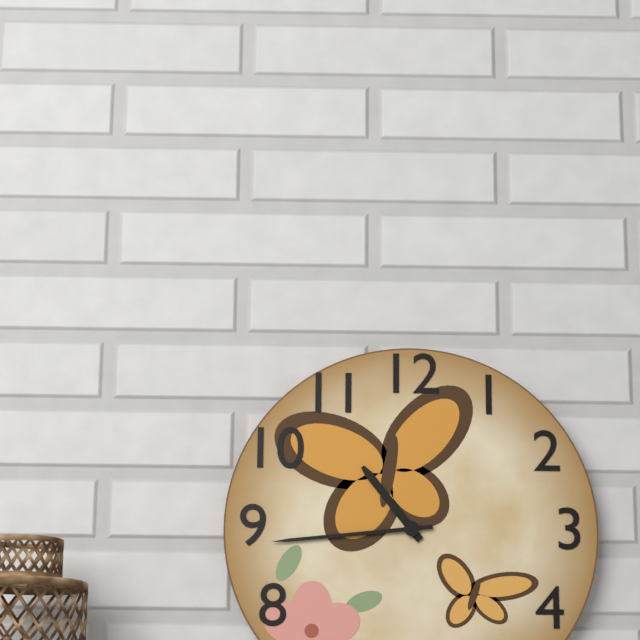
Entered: 10.44
